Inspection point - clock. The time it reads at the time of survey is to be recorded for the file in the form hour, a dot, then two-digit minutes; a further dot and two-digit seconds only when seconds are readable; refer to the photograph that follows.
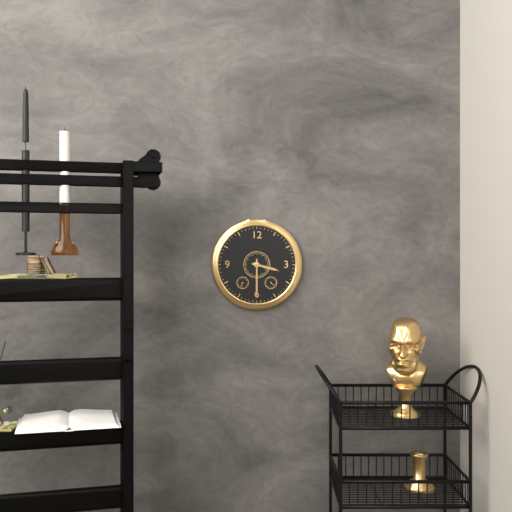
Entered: 3.30
